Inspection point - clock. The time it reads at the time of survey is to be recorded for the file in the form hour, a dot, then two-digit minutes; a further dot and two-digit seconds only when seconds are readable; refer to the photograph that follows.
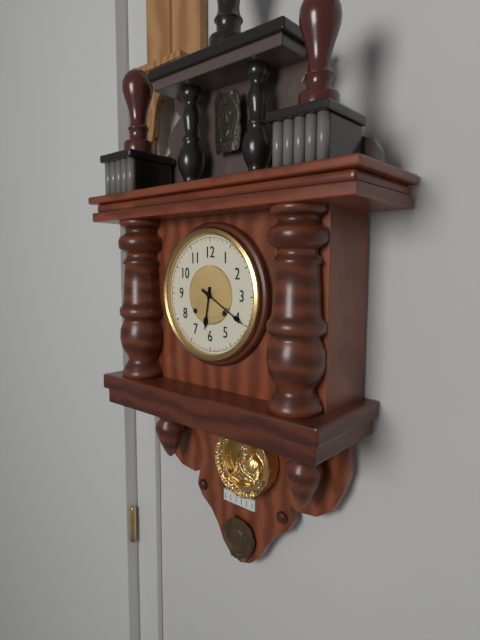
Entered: 6.20
